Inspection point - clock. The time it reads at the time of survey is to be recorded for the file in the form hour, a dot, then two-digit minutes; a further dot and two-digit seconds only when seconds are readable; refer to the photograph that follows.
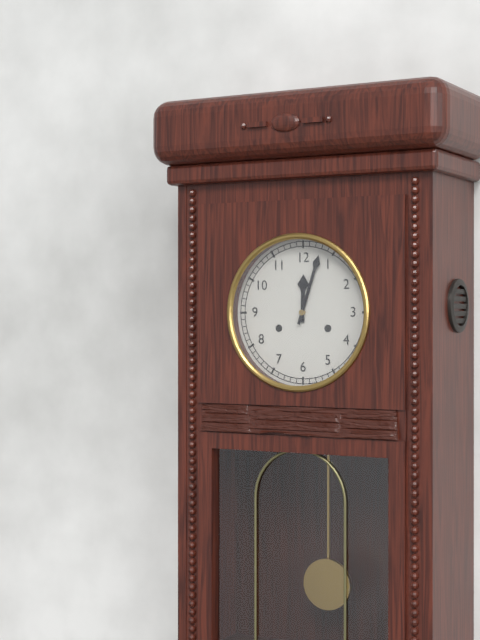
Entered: 12.03
